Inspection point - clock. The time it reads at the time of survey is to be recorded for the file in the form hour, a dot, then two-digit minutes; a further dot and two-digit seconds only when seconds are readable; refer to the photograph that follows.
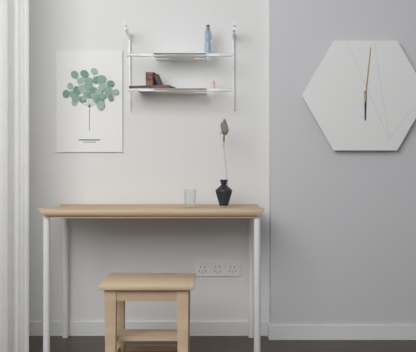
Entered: 6.01
